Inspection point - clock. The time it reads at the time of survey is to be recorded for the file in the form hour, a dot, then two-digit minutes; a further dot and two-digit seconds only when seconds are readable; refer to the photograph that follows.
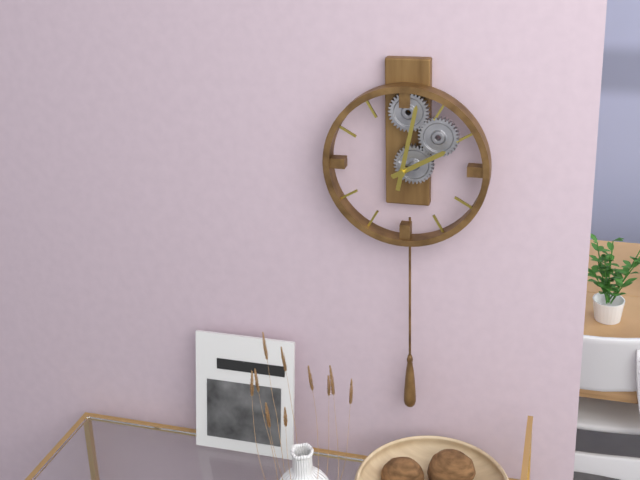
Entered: 2.02
